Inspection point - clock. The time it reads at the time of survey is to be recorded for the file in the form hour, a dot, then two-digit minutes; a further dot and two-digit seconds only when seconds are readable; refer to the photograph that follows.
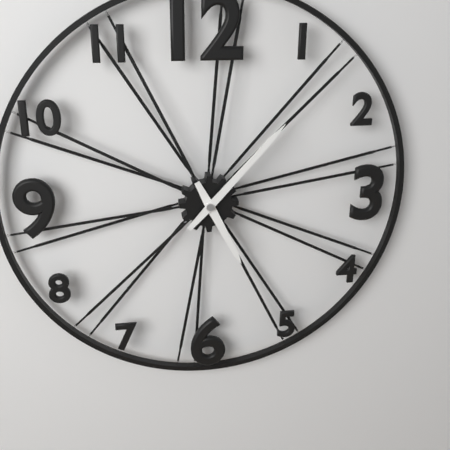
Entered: 5.07
